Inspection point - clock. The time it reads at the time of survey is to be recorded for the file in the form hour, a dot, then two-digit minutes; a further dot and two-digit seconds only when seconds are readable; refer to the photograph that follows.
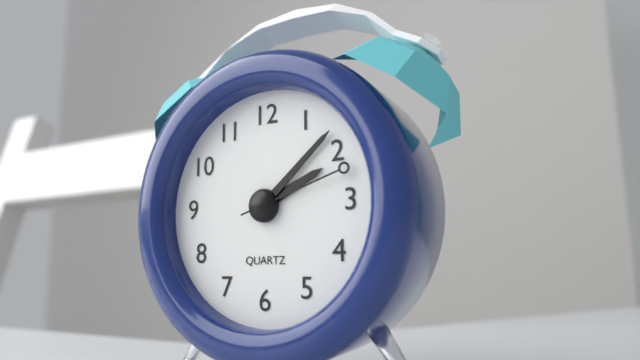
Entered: 2.08.12
